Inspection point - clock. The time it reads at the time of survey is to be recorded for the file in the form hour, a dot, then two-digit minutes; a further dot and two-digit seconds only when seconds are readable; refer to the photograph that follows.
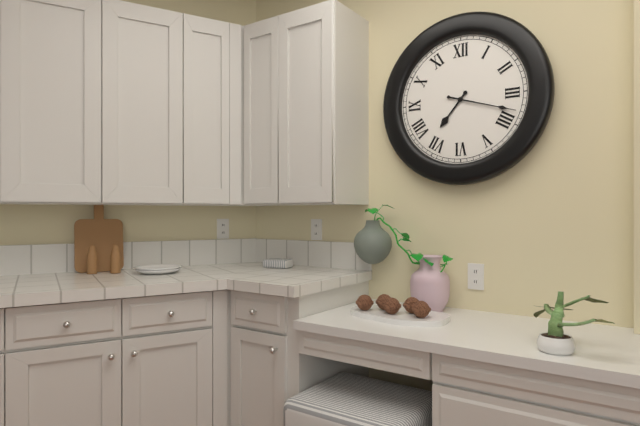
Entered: 7.18
